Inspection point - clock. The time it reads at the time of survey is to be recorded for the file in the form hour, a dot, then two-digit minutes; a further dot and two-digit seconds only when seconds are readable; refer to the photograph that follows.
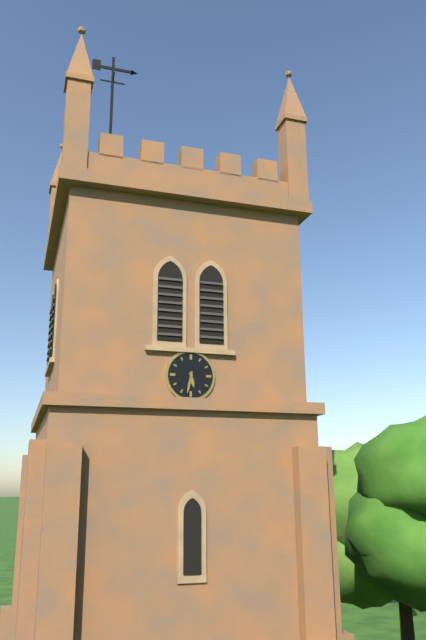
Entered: 5.32
